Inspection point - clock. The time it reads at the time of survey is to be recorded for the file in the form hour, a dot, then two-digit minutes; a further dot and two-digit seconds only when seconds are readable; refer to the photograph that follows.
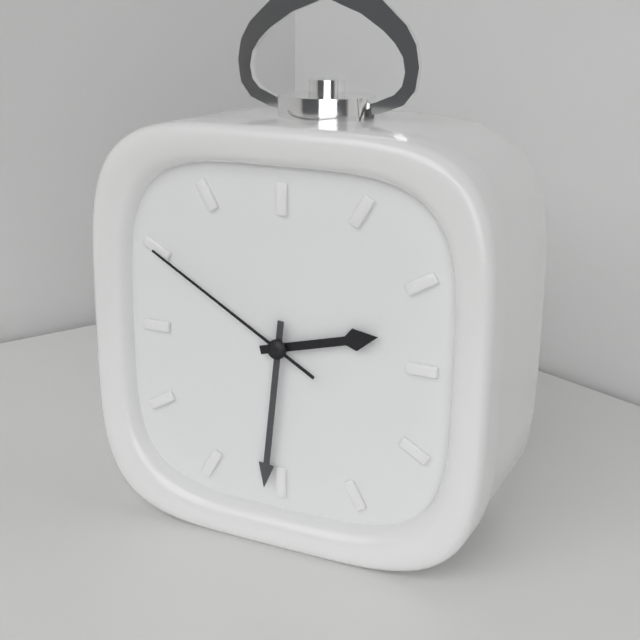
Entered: 2.31.50
